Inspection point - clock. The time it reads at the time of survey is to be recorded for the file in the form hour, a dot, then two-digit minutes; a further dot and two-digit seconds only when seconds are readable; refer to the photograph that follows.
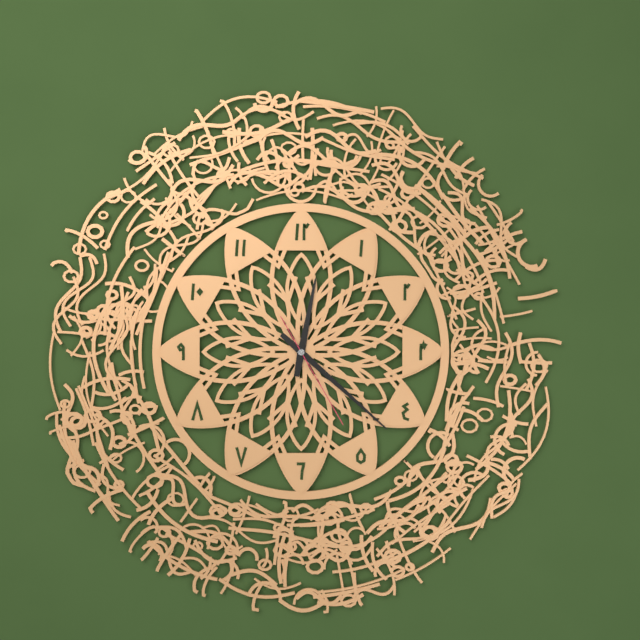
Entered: 12.22.25
